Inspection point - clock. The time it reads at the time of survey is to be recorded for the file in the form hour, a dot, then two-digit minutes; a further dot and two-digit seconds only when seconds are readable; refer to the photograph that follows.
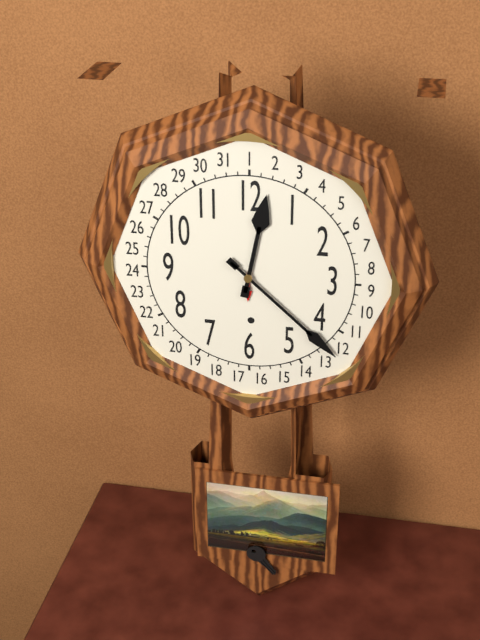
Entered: 12.22
